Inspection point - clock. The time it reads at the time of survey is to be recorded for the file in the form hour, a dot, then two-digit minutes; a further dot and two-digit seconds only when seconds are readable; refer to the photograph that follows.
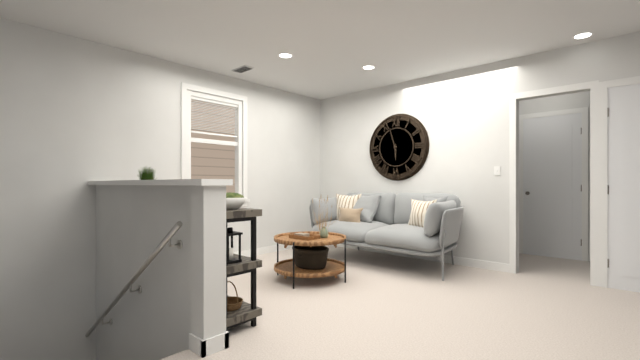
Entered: 5.57
